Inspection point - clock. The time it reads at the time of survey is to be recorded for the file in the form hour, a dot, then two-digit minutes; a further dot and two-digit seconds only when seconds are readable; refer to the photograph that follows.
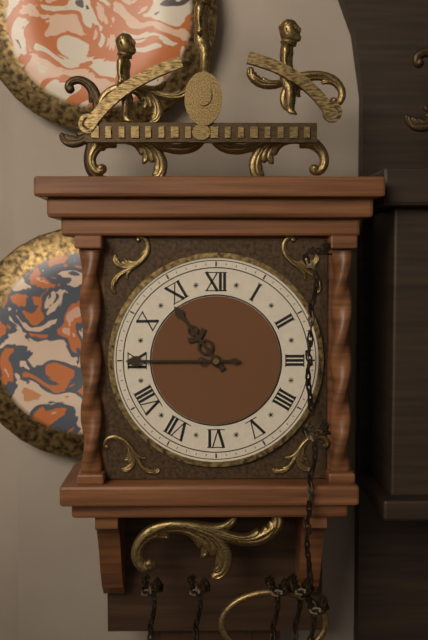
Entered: 10.45
